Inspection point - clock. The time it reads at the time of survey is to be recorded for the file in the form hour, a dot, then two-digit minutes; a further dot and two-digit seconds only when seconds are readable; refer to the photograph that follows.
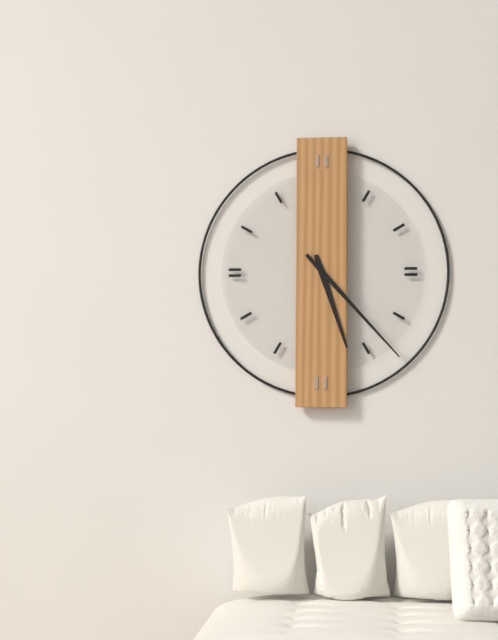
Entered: 5.23
